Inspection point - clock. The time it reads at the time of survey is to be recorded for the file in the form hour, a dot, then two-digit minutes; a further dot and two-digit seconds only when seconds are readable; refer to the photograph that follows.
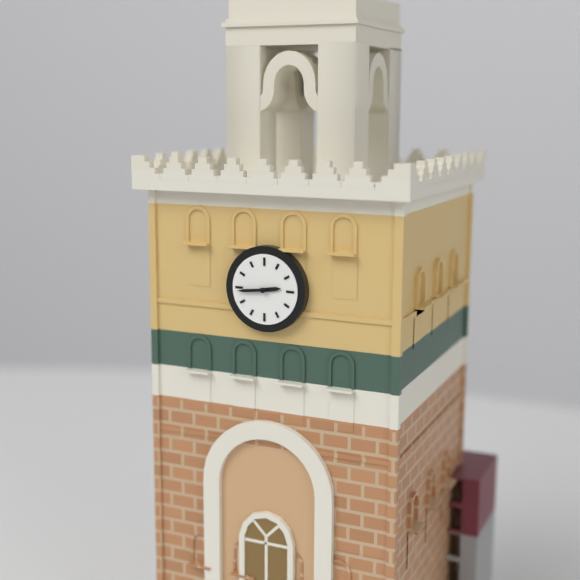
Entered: 2.44
